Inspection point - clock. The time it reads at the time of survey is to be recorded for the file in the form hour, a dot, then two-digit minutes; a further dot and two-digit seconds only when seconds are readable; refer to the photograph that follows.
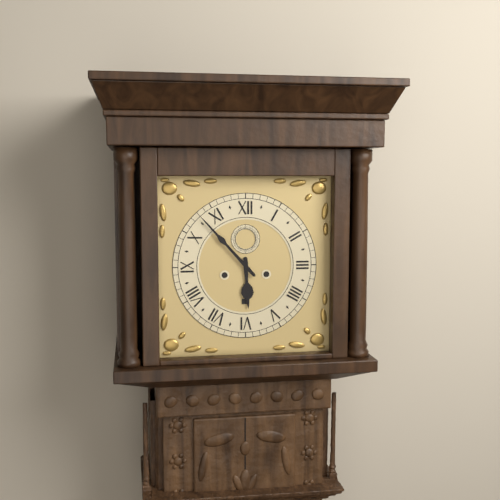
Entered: 5.53
